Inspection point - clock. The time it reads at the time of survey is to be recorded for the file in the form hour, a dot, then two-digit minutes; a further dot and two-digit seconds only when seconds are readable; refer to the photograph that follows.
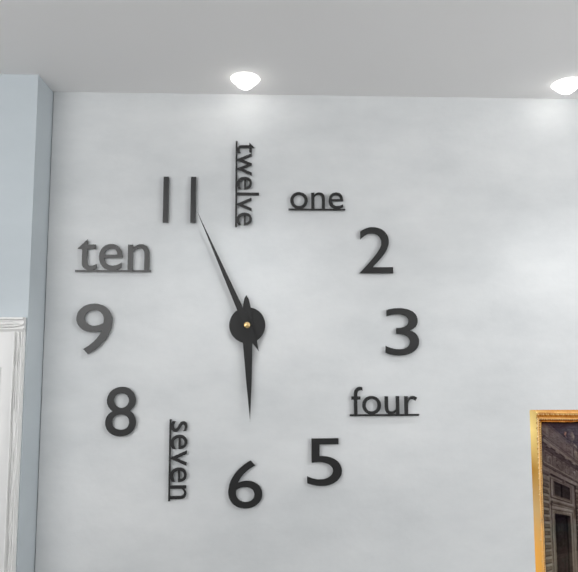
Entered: 5.56
